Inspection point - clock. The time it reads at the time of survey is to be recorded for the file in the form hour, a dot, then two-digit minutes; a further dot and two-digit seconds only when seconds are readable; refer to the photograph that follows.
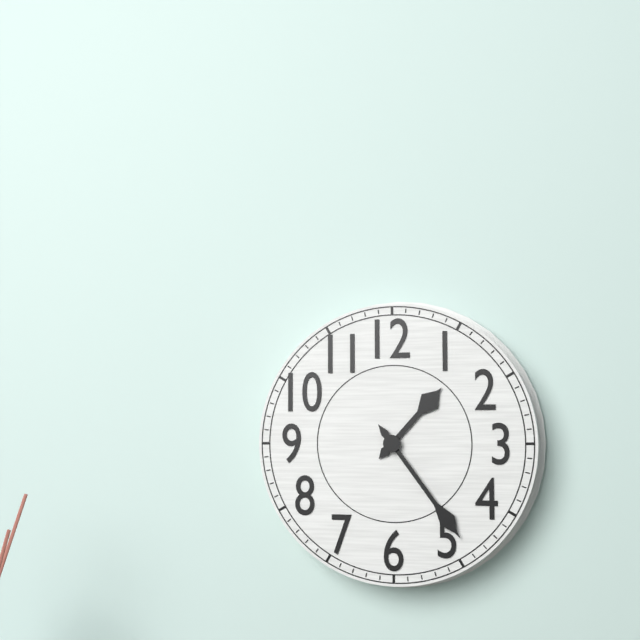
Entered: 1.24
